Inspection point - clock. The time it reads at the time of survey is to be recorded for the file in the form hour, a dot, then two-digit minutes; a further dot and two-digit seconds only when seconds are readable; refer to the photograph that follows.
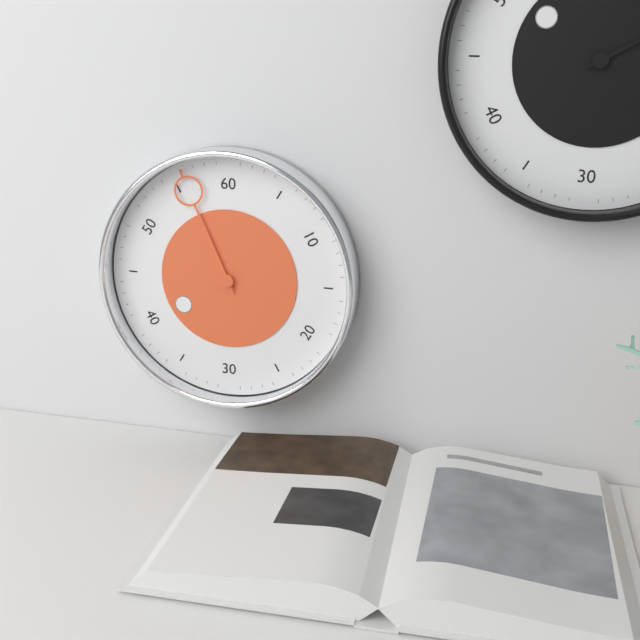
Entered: 7.56
